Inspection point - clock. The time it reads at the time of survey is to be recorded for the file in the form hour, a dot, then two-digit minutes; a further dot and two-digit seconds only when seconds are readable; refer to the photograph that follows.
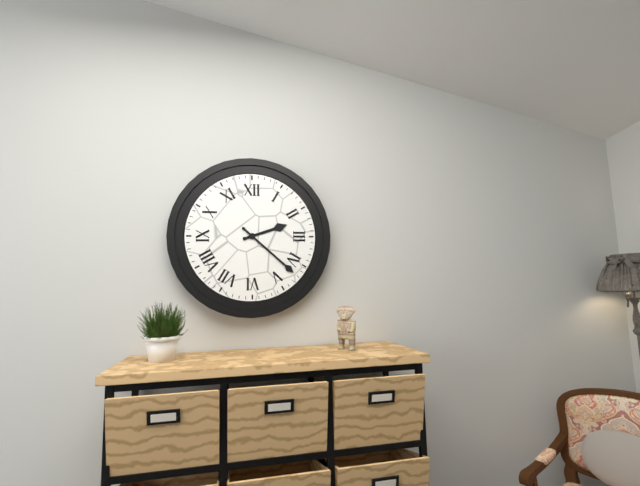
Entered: 2.22
